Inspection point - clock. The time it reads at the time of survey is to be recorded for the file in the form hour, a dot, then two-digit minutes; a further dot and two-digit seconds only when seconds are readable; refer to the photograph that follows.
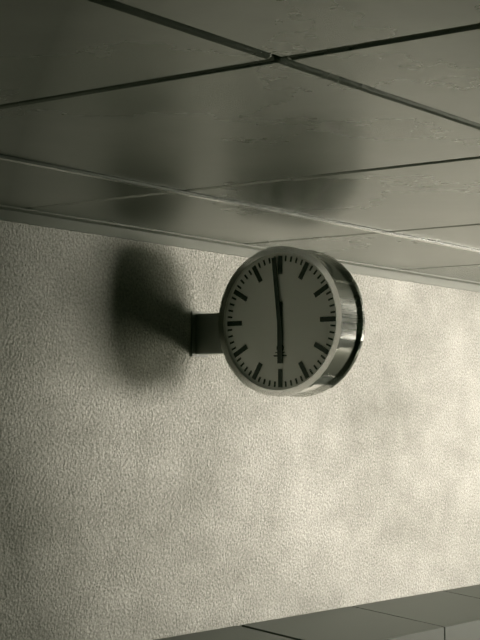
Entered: 5.59
